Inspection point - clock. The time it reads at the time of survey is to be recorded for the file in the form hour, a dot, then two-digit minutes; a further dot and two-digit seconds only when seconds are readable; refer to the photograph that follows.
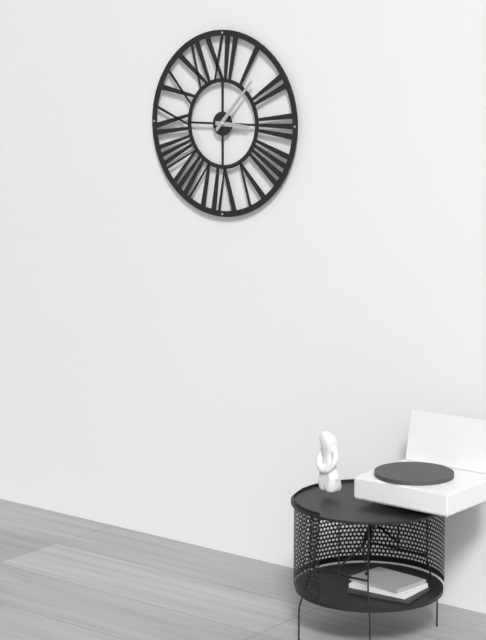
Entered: 3.07
